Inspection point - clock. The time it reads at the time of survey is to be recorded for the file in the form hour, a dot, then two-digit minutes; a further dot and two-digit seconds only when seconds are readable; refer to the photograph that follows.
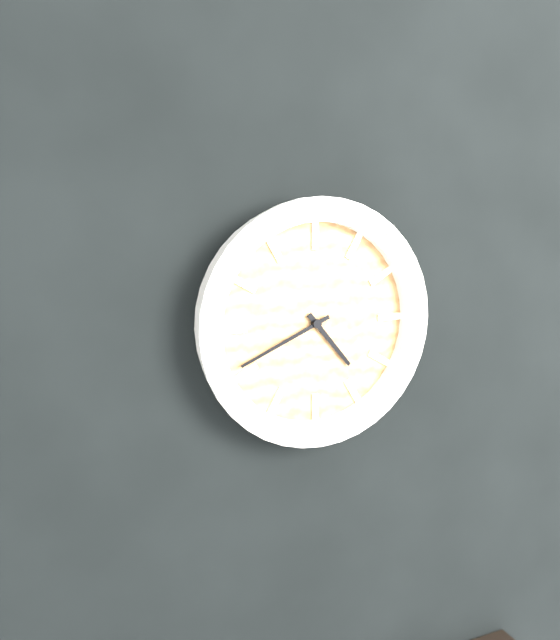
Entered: 4.41
